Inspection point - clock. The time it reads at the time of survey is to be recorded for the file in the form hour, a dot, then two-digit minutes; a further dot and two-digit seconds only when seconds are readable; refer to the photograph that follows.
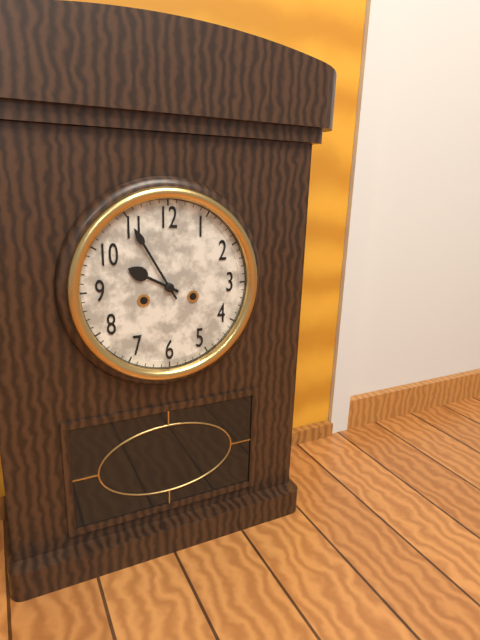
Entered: 9.55
